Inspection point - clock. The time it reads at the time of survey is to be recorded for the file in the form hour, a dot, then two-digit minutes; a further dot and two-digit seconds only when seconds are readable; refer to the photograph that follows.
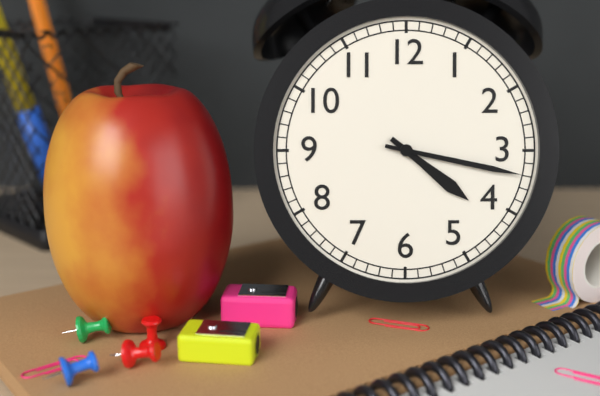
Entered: 4.17
